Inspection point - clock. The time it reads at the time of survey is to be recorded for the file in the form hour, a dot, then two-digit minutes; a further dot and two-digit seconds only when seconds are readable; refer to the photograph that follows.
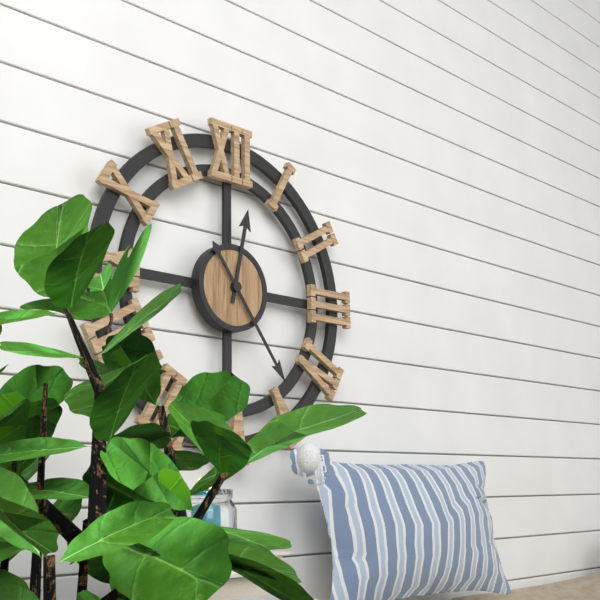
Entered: 12.24
